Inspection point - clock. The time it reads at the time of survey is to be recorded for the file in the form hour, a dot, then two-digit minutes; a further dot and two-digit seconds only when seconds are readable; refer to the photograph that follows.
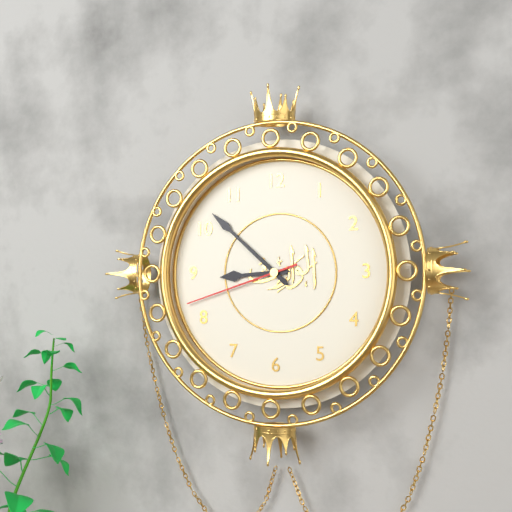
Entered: 8.52.42
